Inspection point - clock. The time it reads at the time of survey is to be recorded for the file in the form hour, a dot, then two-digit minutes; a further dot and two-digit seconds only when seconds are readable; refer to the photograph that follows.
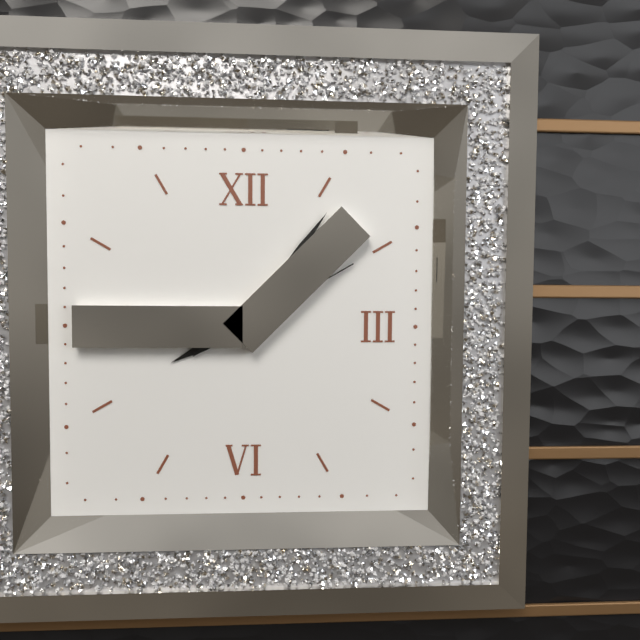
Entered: 8.06.10
